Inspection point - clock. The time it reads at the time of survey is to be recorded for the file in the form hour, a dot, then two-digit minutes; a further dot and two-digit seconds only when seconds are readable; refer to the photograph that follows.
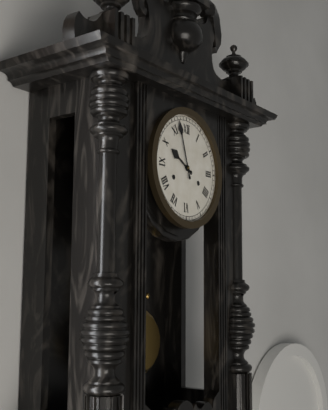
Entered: 9.57
